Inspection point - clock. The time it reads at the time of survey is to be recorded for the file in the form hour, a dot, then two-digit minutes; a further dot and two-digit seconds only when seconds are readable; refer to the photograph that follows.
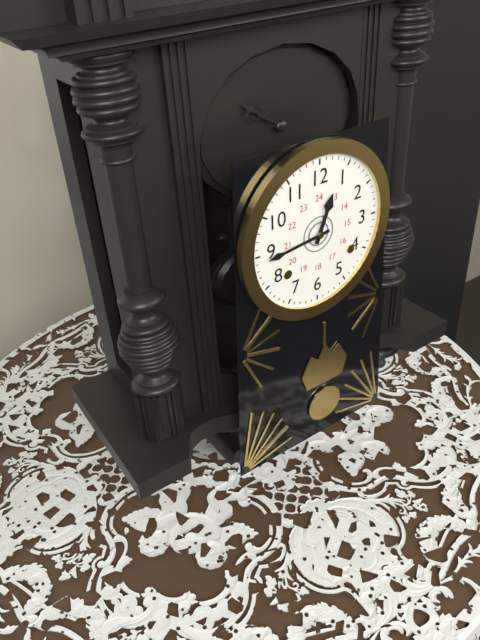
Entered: 12.44
